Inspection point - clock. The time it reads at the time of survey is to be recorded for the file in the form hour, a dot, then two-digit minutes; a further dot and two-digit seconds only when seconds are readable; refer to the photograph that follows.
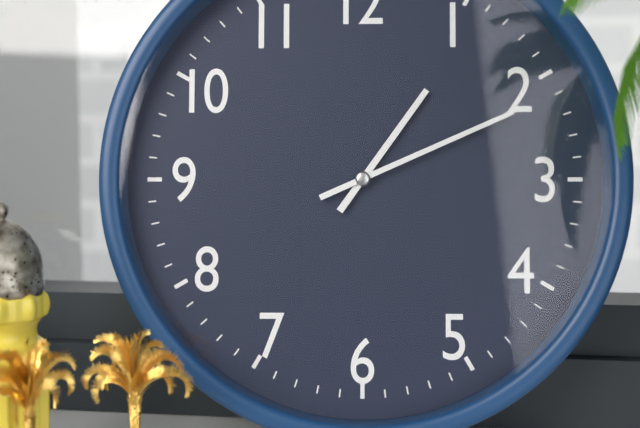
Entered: 1.11
